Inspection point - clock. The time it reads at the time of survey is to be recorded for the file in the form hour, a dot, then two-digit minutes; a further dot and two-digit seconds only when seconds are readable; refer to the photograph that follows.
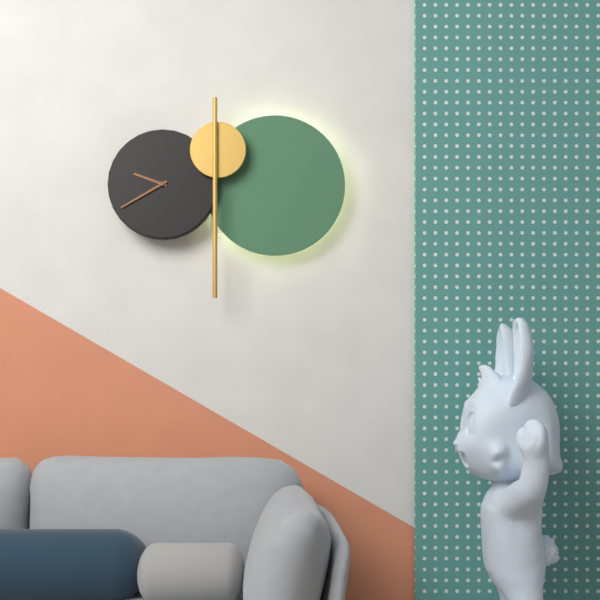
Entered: 9.40
